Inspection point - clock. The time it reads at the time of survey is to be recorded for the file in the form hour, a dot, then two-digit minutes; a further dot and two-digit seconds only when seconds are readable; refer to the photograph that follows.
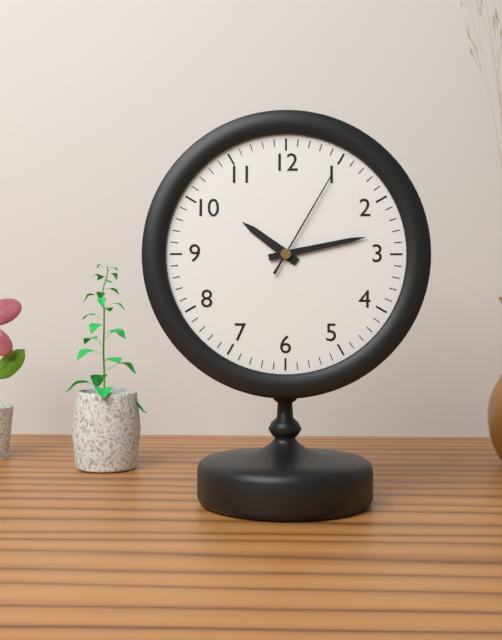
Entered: 10.13.05
